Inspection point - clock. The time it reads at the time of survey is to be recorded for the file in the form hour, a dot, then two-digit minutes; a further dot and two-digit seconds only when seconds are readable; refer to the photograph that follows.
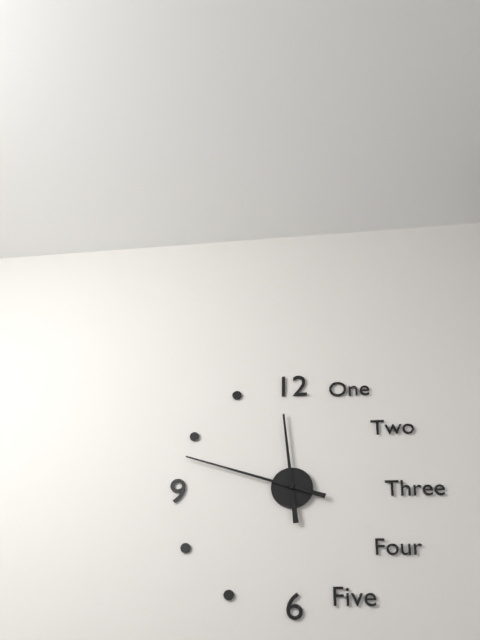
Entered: 11.48
